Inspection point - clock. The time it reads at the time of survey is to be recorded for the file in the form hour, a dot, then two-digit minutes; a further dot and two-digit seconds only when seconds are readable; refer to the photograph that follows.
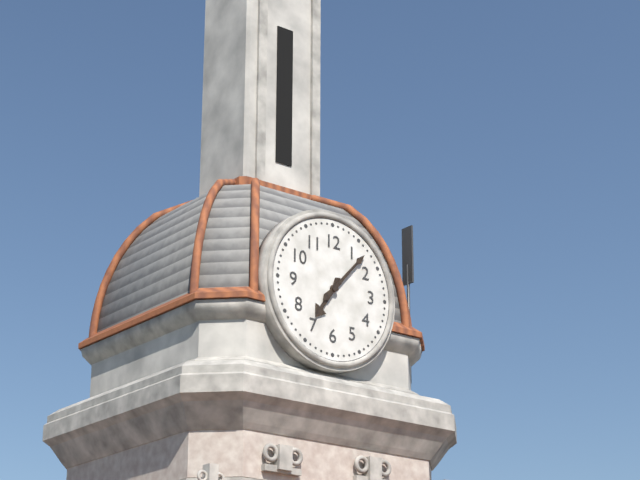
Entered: 7.07
